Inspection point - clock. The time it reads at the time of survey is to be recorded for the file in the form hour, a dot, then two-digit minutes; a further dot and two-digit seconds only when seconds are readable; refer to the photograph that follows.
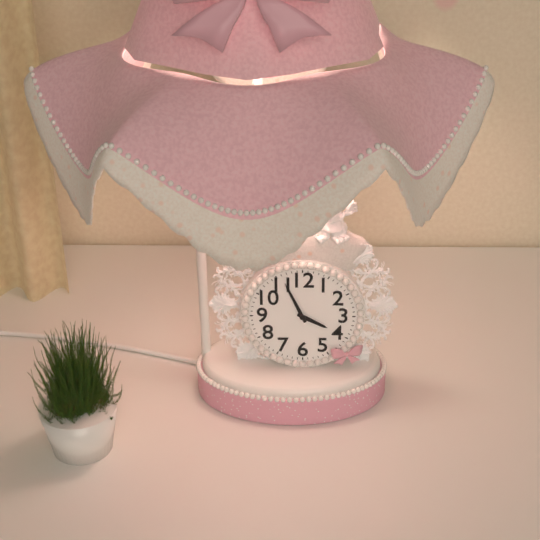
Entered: 3.56
